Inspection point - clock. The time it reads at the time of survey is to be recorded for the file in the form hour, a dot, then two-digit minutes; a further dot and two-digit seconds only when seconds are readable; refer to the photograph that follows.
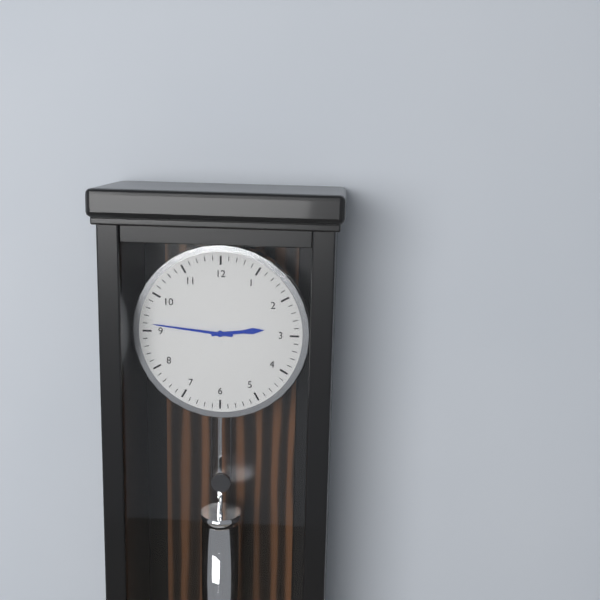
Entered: 2.46
